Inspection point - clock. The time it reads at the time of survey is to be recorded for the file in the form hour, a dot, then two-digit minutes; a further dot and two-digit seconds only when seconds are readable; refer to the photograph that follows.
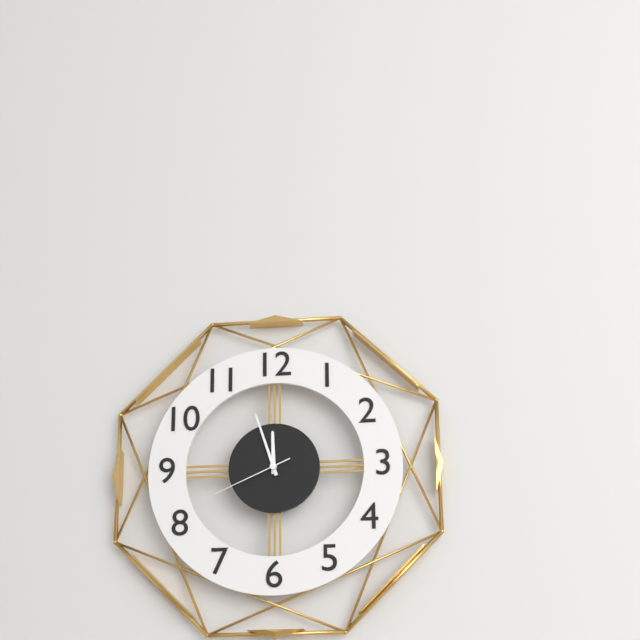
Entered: 11.57.41
